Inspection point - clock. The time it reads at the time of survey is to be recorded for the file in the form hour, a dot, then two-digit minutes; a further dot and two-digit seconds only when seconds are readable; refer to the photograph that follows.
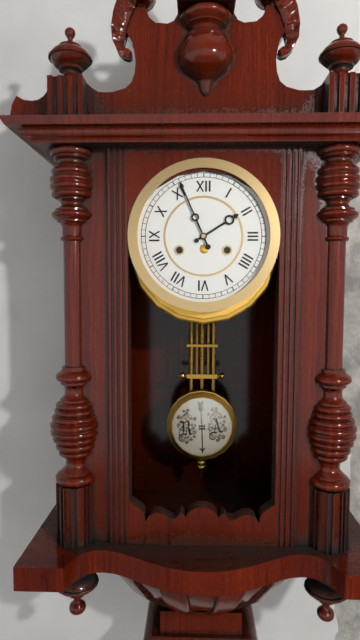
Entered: 1.56
